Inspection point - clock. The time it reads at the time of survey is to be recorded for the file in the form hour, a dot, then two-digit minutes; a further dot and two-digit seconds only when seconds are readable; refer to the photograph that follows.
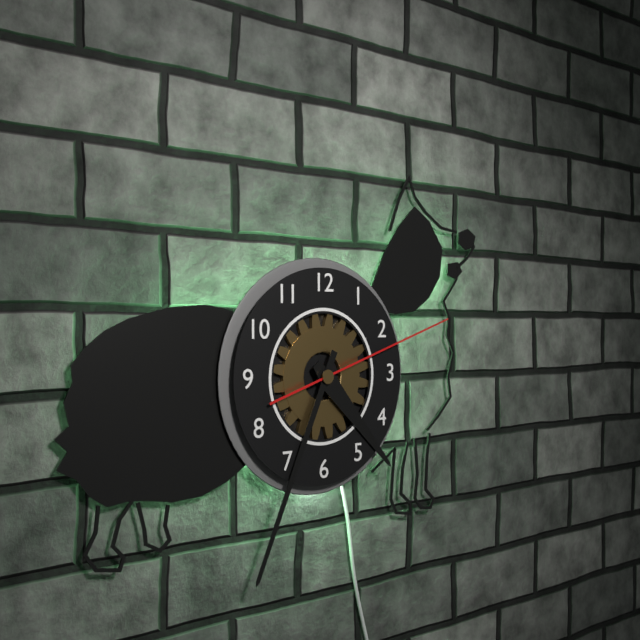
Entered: 4.34.12
